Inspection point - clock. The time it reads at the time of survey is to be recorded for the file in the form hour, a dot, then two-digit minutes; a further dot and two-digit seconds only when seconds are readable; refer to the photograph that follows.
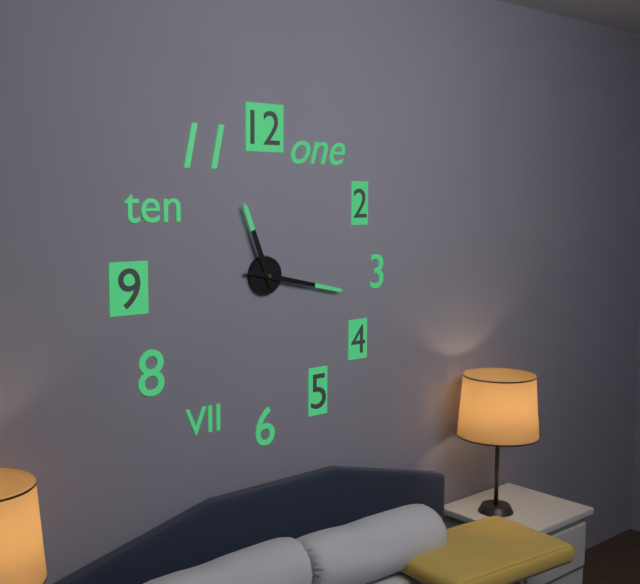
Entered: 11.17
